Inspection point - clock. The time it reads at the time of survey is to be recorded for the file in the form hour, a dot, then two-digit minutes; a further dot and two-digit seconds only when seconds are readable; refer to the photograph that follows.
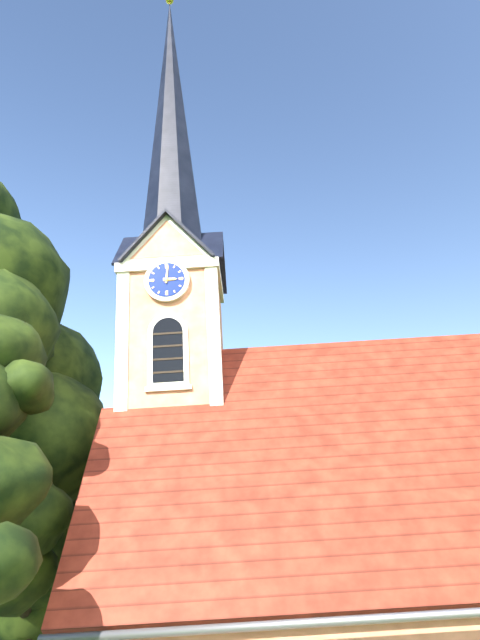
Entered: 3.01
